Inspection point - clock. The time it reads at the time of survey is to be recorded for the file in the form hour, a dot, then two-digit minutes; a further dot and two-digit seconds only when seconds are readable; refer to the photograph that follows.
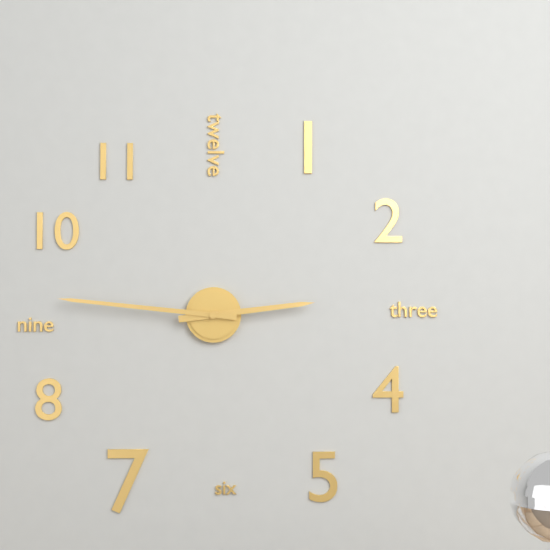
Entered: 2.46
